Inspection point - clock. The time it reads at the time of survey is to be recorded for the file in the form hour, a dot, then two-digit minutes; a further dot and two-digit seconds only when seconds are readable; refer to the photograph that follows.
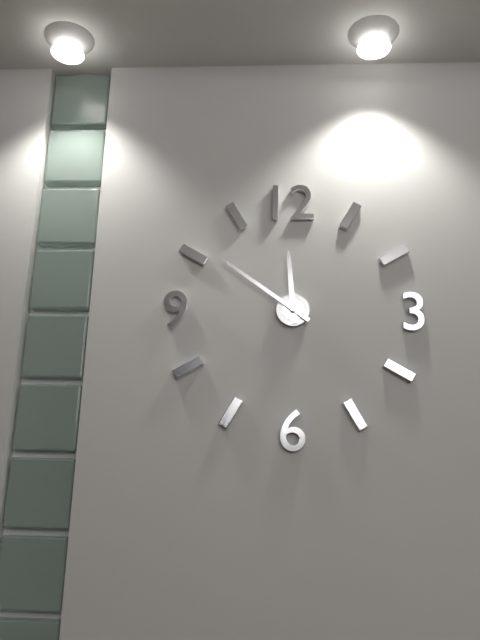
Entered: 11.51
